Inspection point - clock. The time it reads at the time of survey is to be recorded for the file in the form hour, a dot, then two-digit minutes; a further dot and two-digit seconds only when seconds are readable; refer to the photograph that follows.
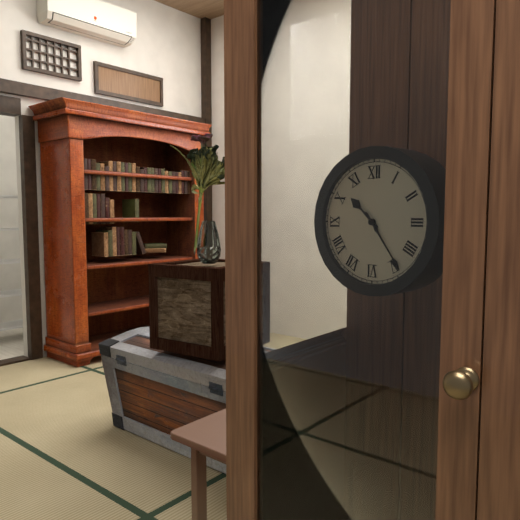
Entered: 10.24
